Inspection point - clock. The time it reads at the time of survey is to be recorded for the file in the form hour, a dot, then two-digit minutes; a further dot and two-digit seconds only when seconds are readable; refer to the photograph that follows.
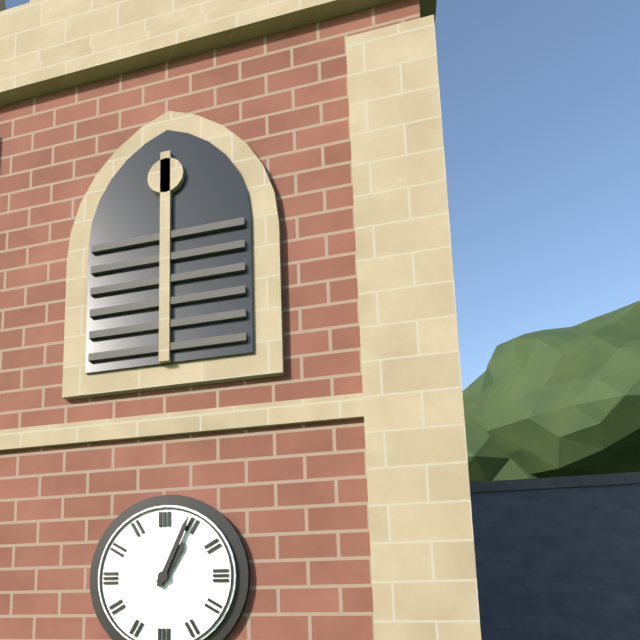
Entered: 1.04
